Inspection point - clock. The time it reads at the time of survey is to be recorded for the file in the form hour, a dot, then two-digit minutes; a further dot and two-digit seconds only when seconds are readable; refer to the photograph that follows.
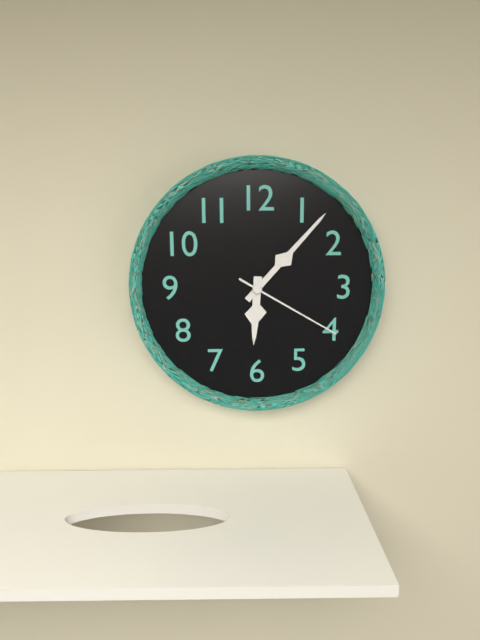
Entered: 6.07.20
